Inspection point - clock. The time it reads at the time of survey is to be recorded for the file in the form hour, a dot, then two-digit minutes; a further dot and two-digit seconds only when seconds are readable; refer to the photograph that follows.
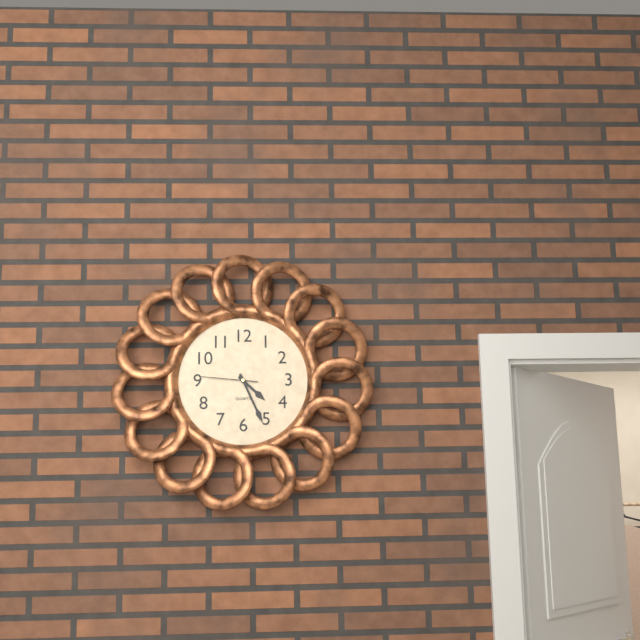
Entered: 4.26.46
